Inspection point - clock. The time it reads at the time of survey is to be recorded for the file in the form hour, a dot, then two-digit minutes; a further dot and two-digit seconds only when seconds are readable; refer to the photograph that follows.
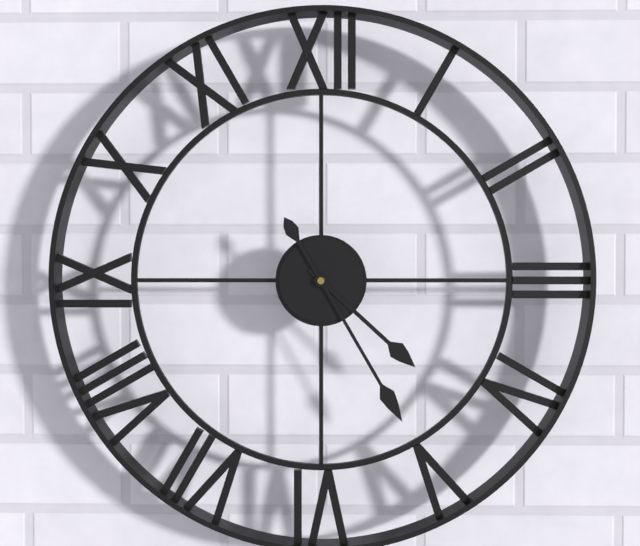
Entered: 4.25
